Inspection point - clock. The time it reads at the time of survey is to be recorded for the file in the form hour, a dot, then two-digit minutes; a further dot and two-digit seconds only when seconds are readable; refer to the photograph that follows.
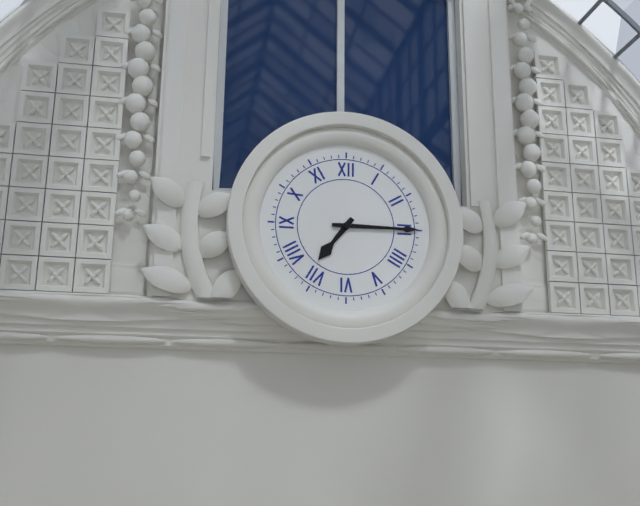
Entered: 7.15
